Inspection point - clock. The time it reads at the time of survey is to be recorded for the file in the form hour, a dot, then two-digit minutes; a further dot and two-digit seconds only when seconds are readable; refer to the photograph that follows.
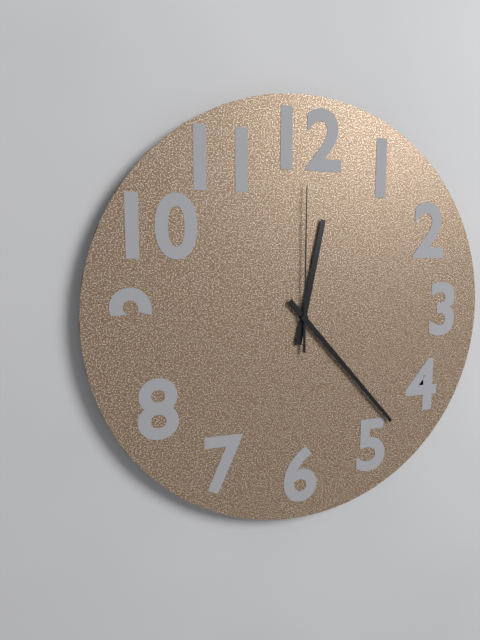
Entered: 12.23.00
